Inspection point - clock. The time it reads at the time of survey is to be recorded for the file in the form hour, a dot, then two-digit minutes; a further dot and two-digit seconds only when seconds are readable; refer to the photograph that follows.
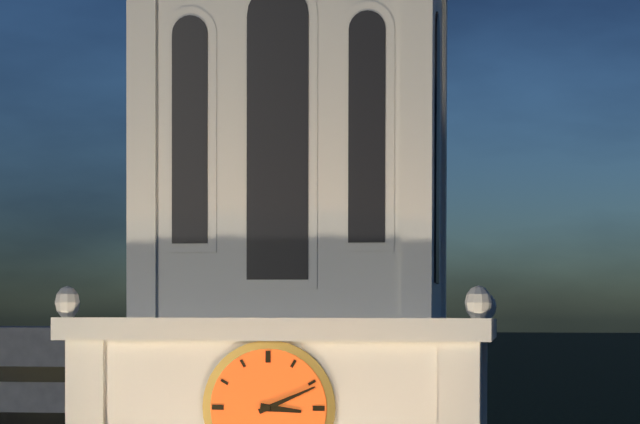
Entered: 3.11
